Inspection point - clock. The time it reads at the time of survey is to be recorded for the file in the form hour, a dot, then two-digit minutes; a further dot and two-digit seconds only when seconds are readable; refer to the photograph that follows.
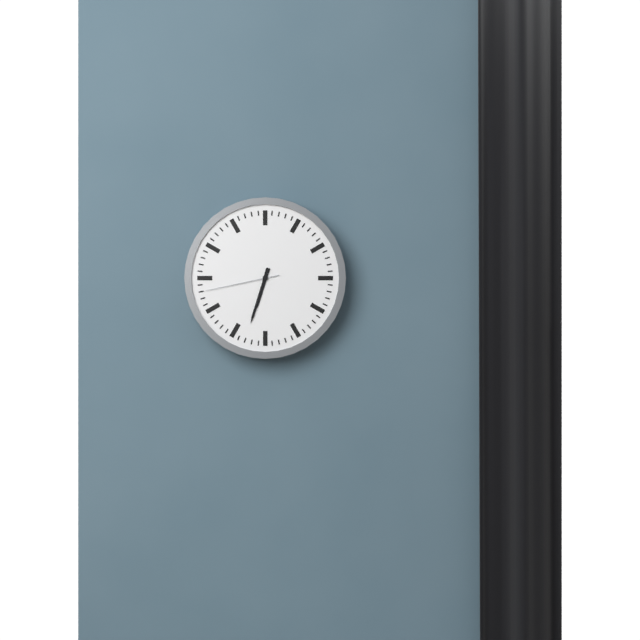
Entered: 6.33.43
